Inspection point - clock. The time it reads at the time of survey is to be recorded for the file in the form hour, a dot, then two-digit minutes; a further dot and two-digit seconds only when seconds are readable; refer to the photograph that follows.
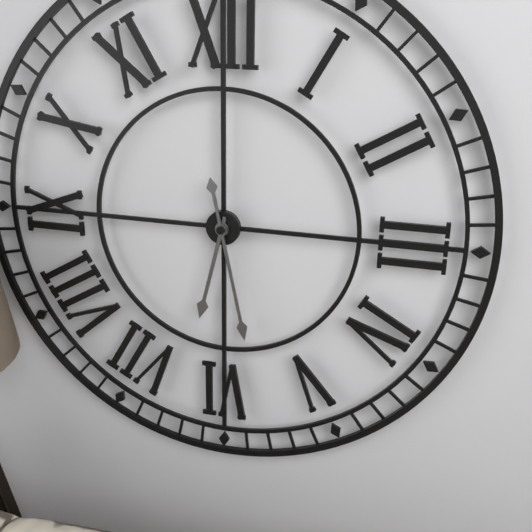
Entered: 6.28
